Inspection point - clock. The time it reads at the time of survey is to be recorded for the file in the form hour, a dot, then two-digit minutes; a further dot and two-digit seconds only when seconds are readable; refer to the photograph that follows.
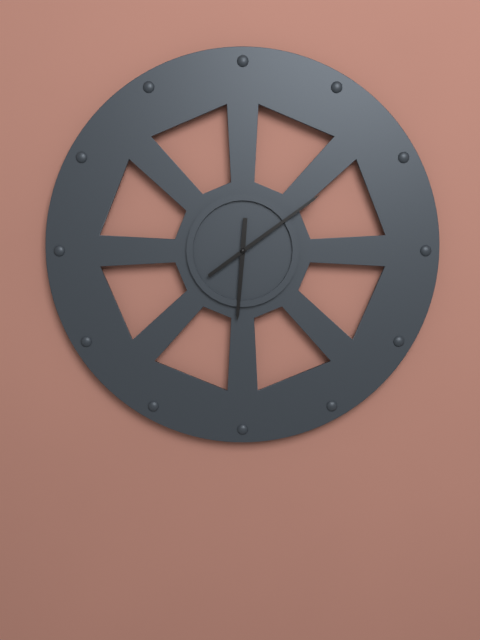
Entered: 6.09
